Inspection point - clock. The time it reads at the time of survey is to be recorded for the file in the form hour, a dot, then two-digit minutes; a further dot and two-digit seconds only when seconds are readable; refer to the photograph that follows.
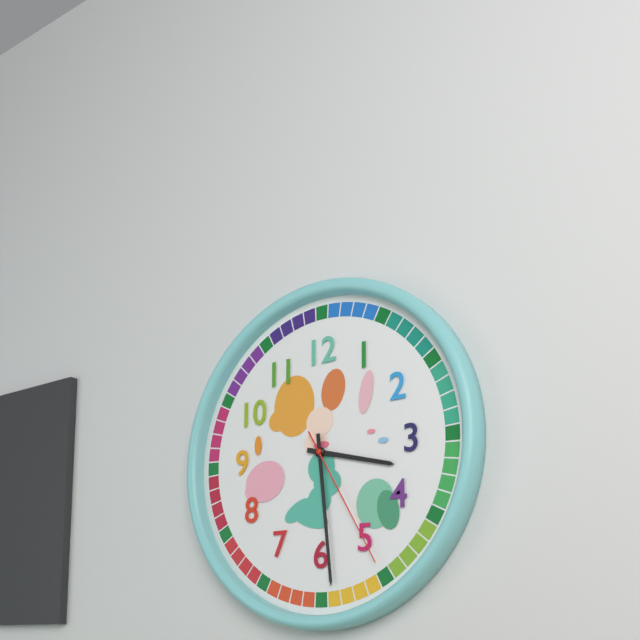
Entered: 3.29.25
